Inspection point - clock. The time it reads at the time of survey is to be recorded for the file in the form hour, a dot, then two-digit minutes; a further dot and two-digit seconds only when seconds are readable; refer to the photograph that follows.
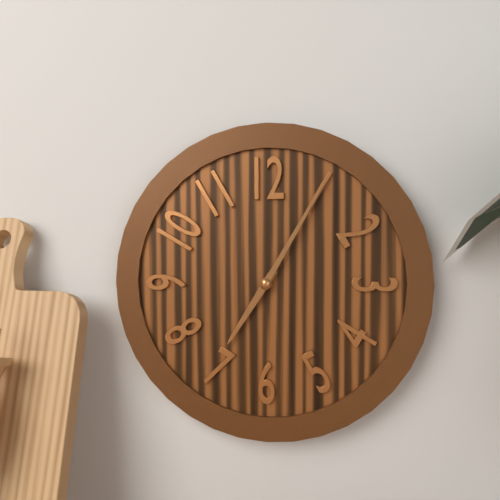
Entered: 7.05
